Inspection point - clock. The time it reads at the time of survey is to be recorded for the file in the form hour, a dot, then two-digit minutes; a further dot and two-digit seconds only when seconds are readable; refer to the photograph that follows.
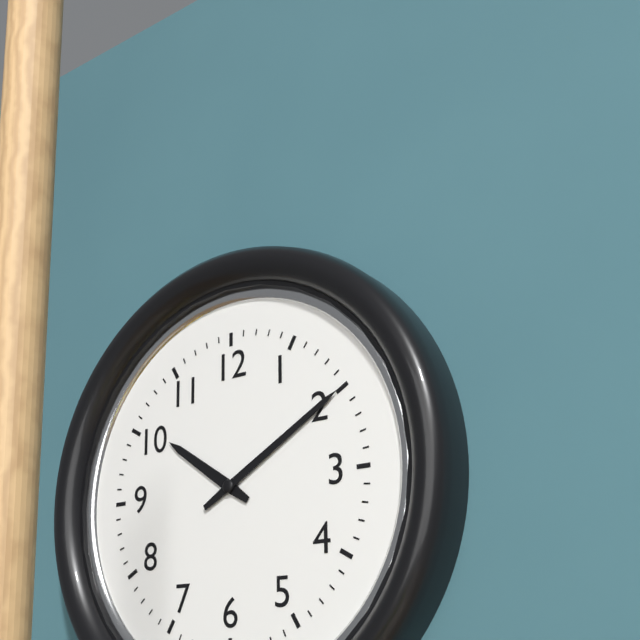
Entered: 10.10
